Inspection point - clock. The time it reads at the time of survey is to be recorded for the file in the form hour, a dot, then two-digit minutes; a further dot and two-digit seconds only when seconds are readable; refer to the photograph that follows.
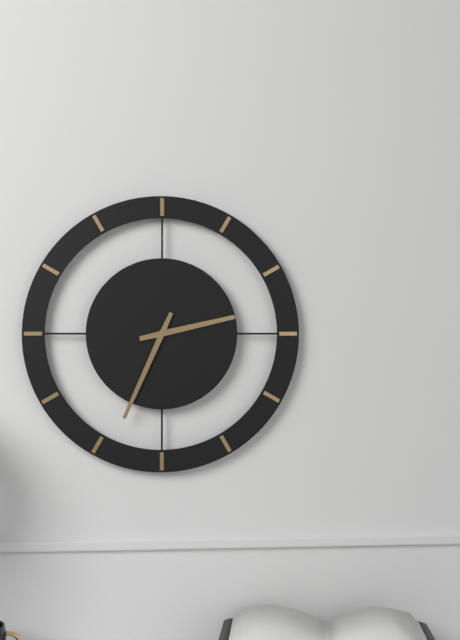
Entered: 2.34
